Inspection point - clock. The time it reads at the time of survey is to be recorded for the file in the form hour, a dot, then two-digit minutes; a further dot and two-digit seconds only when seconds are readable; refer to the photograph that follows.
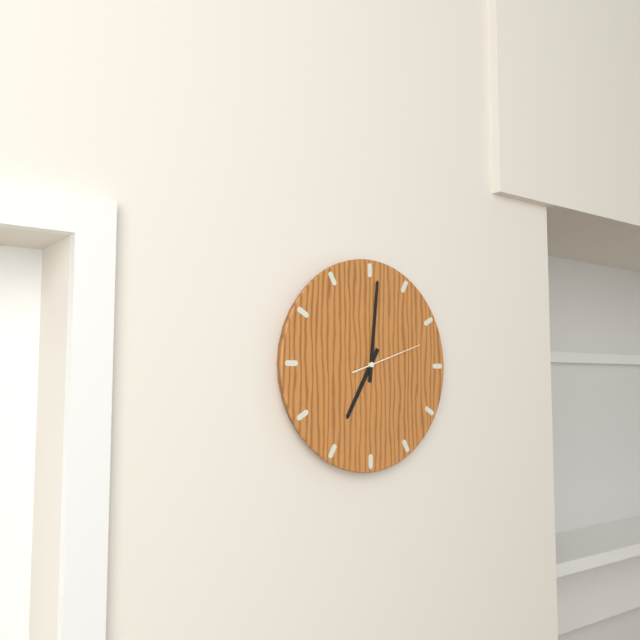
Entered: 7.01.12
